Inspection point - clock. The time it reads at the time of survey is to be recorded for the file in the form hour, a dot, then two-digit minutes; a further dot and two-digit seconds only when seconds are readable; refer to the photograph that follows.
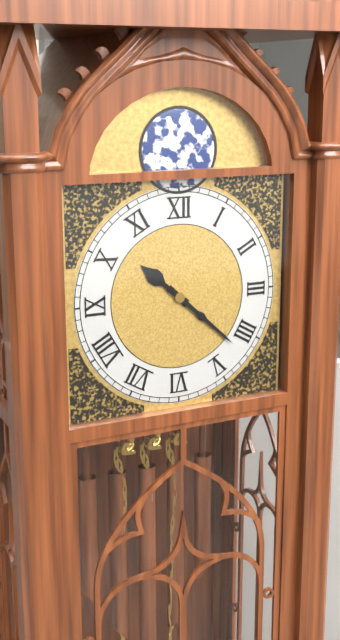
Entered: 10.22
